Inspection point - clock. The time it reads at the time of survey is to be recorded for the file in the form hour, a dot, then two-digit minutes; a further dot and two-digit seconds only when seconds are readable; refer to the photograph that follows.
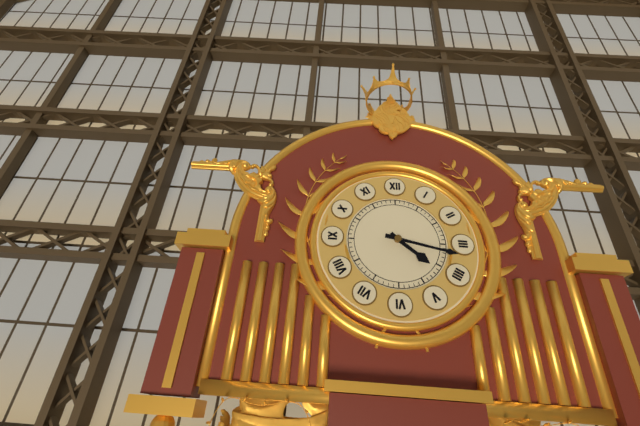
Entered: 4.17
